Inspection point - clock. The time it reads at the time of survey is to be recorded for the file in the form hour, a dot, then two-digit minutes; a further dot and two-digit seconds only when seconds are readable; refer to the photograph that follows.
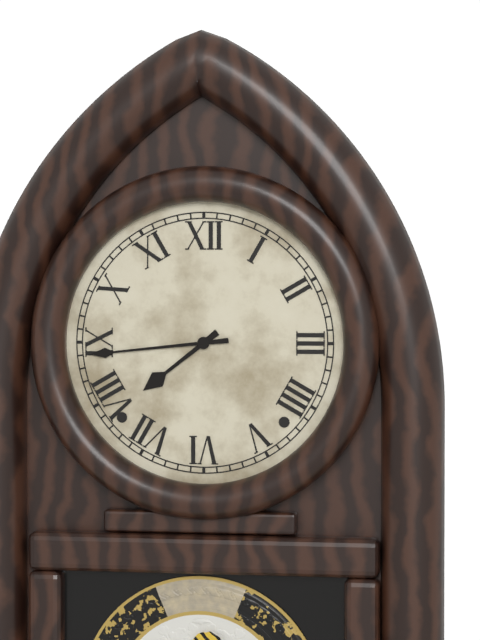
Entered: 7.44
